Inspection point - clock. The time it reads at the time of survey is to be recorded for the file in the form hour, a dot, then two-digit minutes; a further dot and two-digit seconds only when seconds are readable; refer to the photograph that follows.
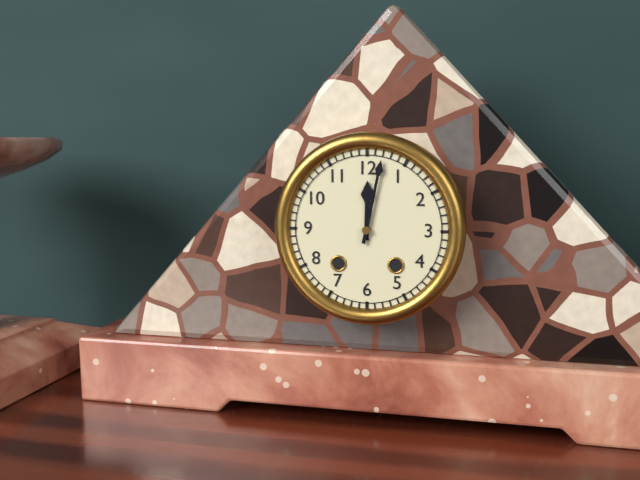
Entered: 12.02
